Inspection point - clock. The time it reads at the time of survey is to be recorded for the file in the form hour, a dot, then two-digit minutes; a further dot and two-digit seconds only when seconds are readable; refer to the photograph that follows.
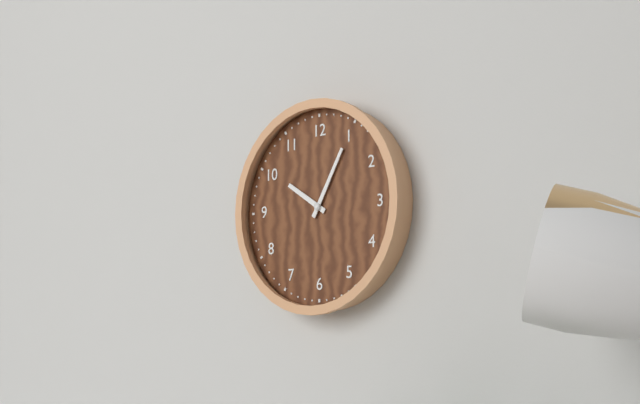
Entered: 10.05
